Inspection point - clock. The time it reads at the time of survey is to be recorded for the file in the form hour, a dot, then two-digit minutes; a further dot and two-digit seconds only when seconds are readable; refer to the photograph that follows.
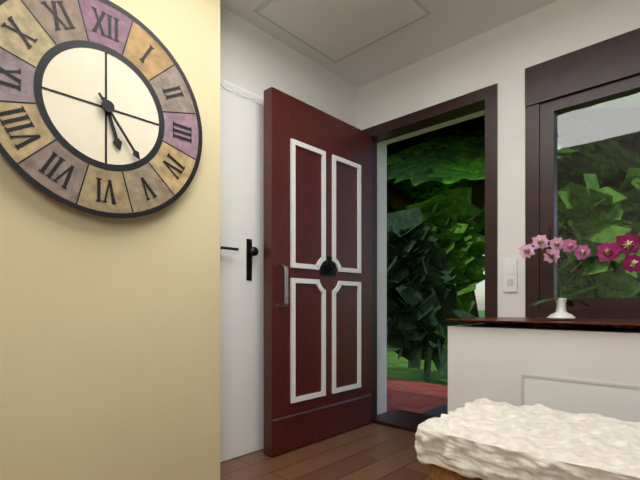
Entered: 5.24
